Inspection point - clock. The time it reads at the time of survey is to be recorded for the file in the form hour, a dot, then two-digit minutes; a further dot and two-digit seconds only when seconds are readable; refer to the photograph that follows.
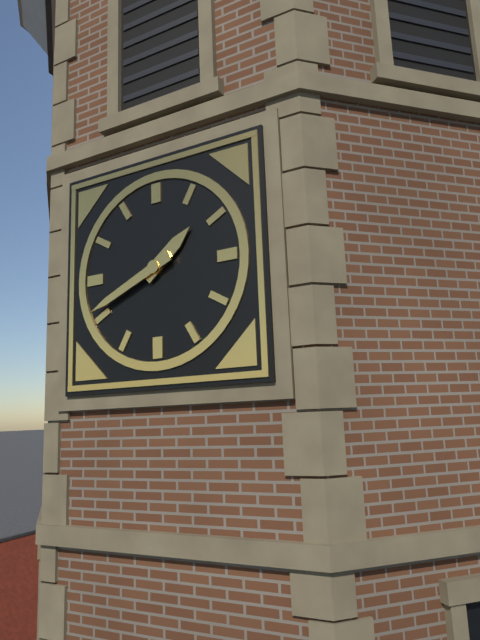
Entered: 1.41
